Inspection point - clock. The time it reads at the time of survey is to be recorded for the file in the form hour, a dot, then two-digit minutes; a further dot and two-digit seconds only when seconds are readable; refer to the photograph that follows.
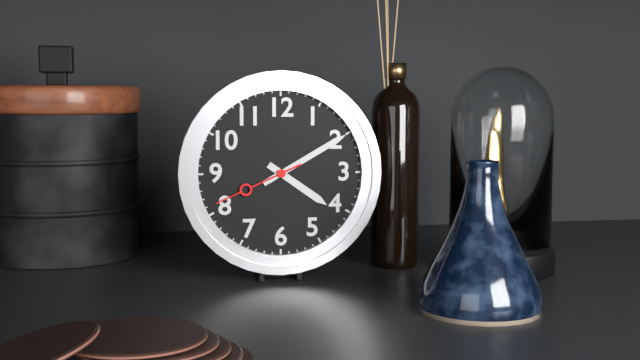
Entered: 4.10.41
